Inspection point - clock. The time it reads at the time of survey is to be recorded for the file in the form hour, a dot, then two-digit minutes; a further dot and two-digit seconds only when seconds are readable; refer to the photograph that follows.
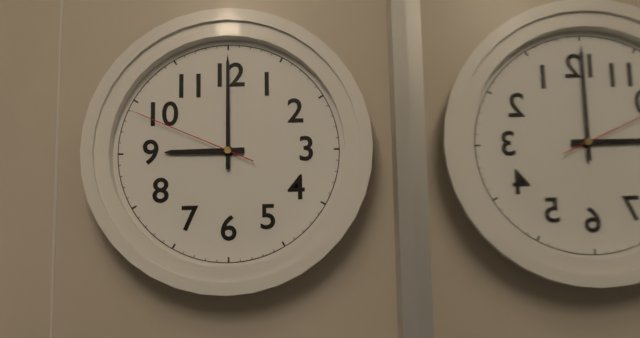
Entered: 9.00.49
